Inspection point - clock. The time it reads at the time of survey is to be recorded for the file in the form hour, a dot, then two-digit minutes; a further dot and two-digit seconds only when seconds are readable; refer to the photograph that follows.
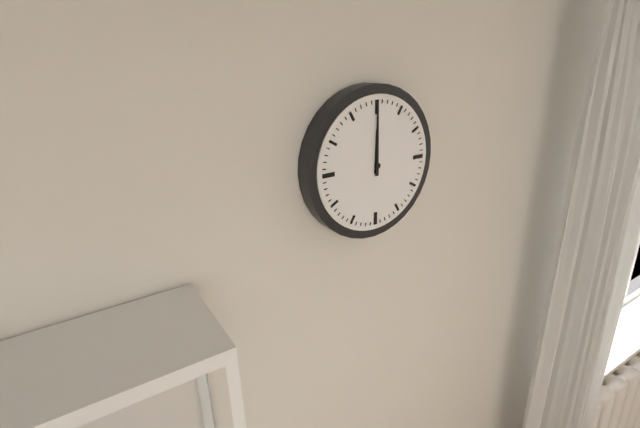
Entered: 12.00
